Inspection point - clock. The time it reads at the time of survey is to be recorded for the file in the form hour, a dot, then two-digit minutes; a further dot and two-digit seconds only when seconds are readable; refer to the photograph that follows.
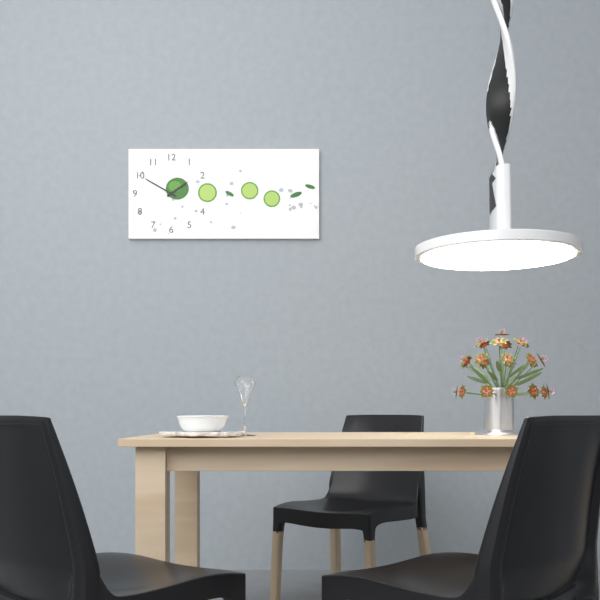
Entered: 1.50
